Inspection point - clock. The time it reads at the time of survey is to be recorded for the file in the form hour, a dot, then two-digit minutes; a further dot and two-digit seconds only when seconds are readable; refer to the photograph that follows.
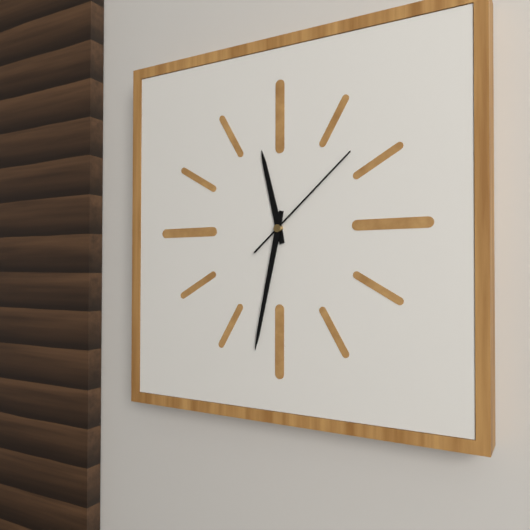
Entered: 11.32.08
